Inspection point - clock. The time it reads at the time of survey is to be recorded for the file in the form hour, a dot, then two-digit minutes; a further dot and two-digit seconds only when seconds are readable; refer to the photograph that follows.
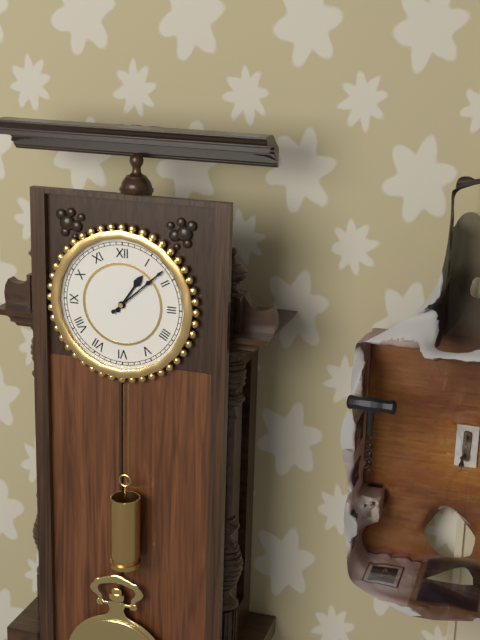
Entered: 1.08
